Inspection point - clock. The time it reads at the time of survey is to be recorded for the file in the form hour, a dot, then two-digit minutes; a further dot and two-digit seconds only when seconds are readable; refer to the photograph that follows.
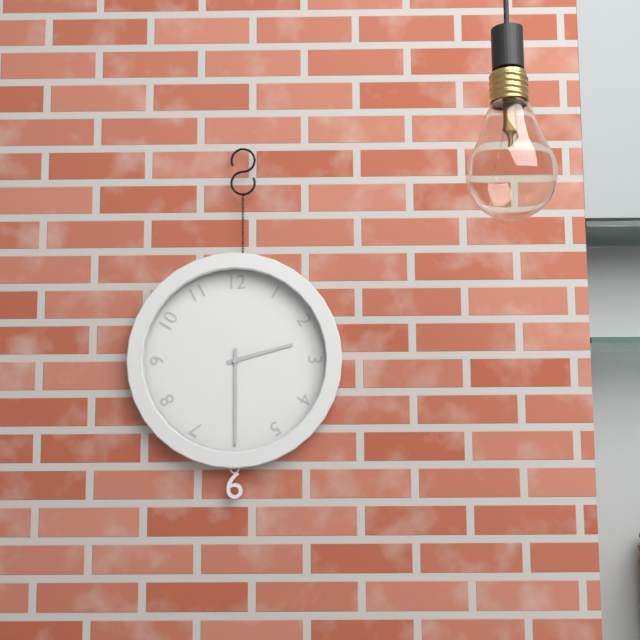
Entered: 2.30
